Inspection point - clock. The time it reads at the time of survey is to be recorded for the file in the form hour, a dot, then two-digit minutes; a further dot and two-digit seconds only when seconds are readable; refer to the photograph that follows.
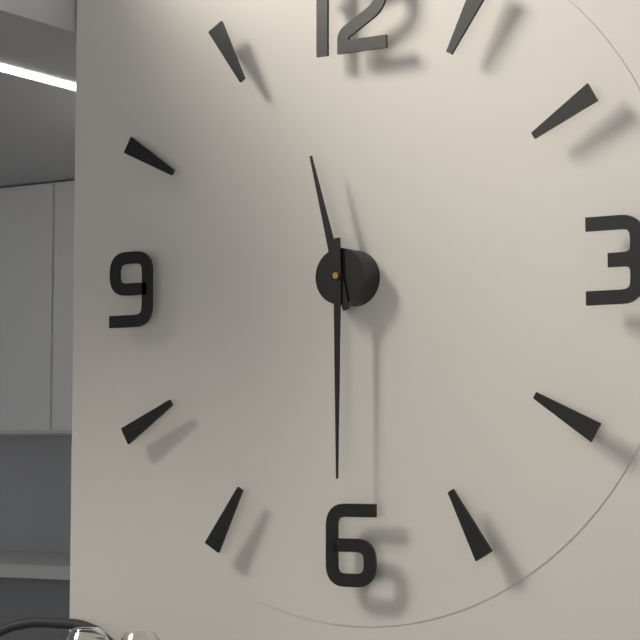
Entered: 11.30
